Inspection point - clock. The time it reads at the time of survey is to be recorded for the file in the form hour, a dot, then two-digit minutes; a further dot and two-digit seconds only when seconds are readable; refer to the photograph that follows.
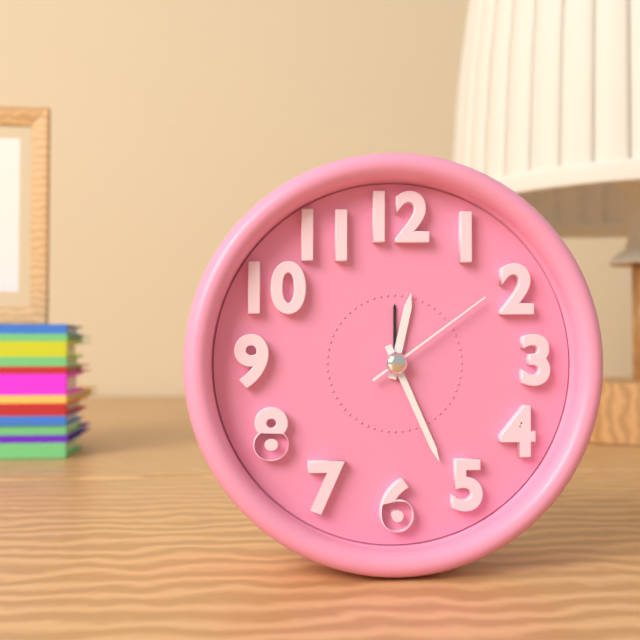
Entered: 12.26.09
